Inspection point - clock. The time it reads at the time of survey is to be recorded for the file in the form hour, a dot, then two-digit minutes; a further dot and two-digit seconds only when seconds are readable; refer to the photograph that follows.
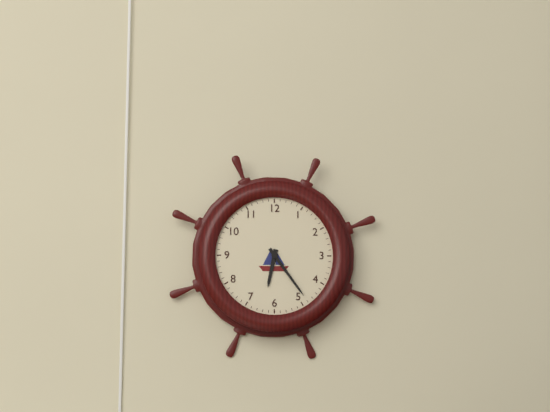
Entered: 6.24
